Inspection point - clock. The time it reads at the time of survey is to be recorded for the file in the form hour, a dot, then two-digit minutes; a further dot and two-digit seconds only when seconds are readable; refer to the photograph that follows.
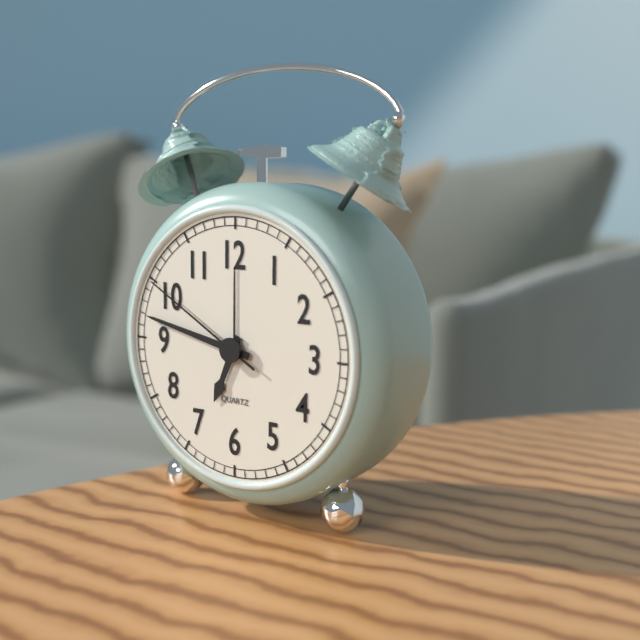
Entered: 6.47.50
